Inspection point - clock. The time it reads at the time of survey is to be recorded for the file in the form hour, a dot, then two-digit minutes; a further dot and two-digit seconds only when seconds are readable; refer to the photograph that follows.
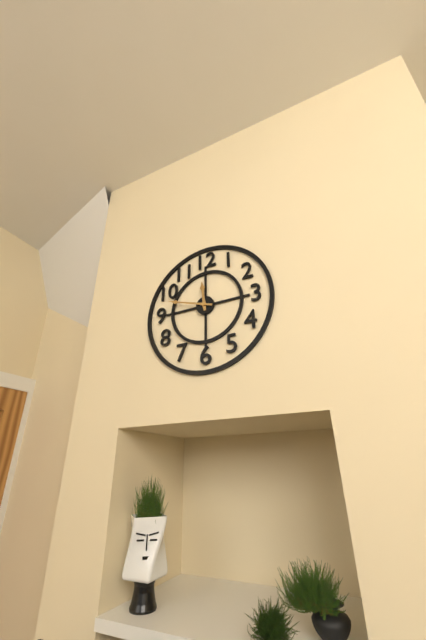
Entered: 11.48
